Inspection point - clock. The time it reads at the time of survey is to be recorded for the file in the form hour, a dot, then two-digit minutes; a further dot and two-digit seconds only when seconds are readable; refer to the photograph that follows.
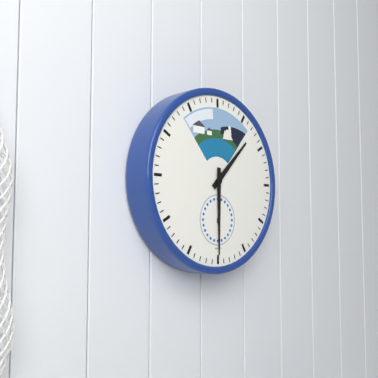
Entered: 1.30
